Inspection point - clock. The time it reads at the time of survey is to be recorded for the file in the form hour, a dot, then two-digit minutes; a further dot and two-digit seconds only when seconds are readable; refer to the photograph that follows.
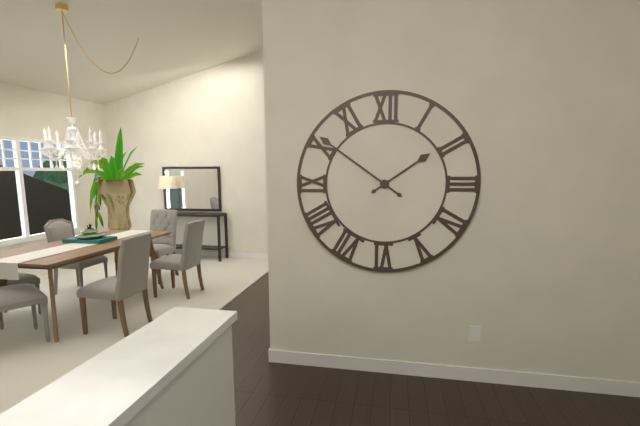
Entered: 1.51
